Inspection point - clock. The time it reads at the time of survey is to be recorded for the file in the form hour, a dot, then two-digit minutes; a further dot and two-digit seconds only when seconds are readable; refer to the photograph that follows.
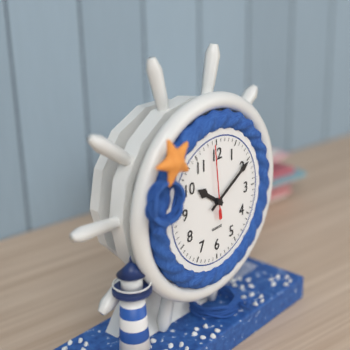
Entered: 10.10.59
